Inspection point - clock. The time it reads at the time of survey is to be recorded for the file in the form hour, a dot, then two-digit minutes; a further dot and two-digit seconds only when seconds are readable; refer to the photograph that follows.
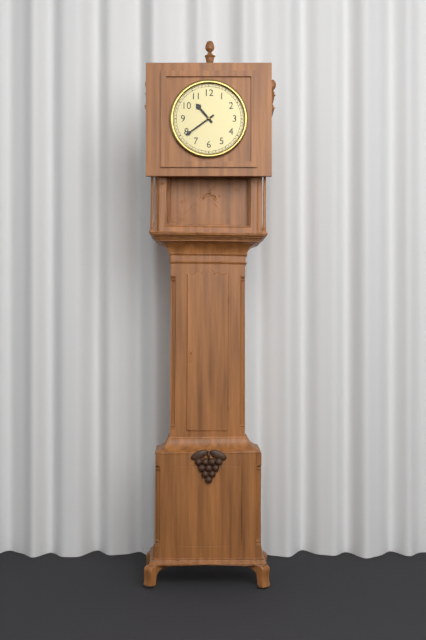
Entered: 10.39
